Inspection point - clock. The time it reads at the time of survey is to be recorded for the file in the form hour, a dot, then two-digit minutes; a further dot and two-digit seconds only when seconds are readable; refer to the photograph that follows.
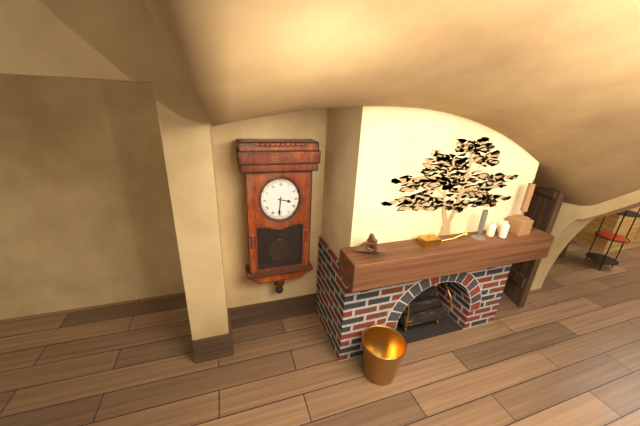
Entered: 3.31
